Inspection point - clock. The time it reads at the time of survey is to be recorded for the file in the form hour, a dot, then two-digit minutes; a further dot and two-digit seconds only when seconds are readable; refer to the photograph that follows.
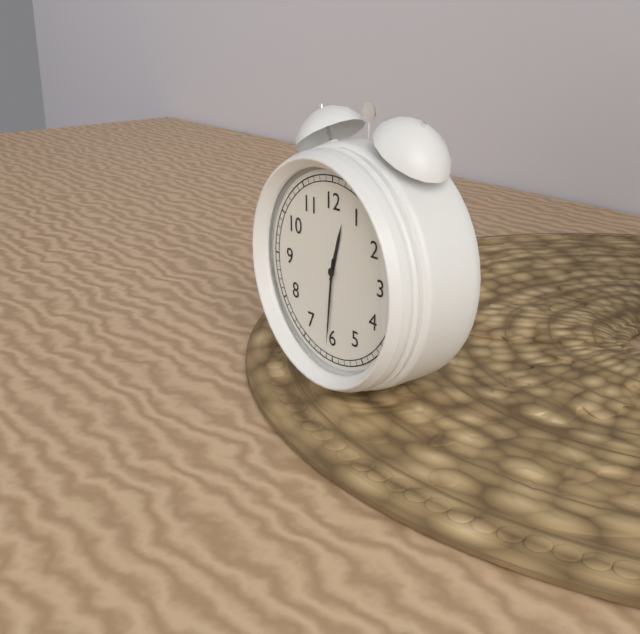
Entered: 12.31
